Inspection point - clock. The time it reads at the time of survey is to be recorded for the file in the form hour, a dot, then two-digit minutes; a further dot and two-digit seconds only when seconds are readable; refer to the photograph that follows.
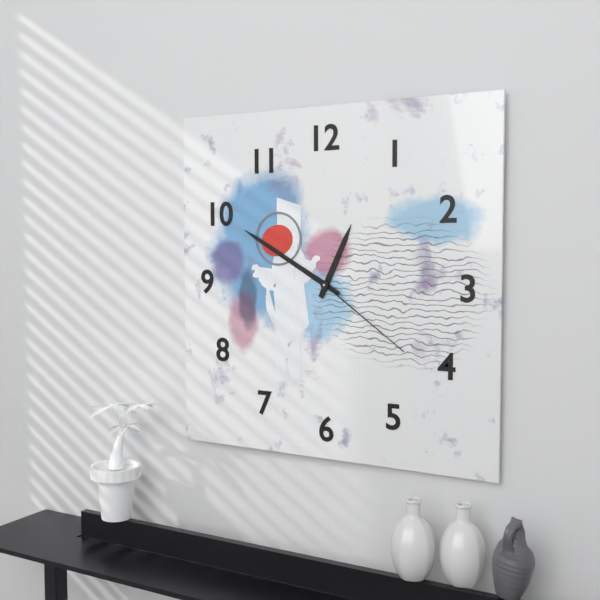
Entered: 12.50.21
